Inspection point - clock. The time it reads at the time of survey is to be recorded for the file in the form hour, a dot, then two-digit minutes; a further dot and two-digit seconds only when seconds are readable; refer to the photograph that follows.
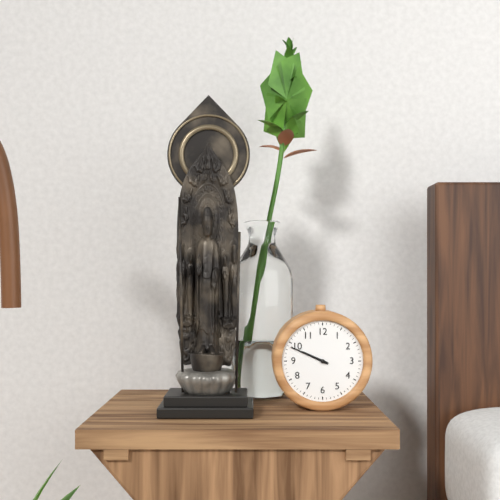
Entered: 9.49
